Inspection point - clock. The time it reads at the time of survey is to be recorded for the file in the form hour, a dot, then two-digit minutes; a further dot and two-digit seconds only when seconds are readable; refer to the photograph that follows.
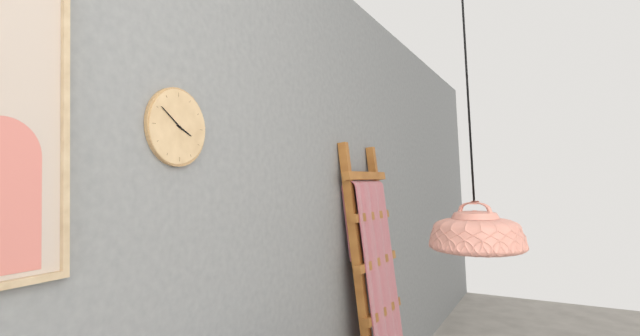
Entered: 3.51
